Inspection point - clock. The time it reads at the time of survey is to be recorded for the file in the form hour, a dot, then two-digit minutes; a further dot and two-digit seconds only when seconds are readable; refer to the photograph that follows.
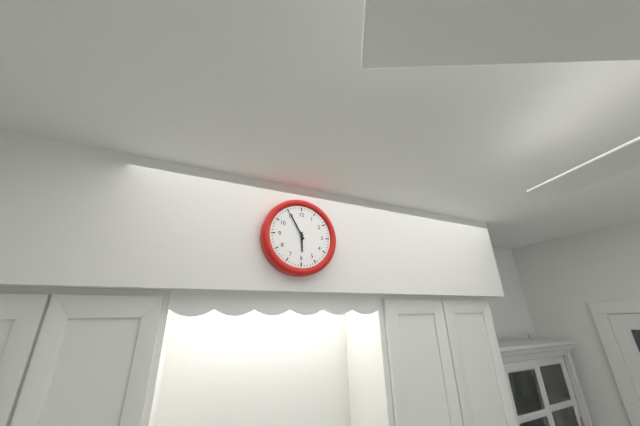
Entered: 5.55
